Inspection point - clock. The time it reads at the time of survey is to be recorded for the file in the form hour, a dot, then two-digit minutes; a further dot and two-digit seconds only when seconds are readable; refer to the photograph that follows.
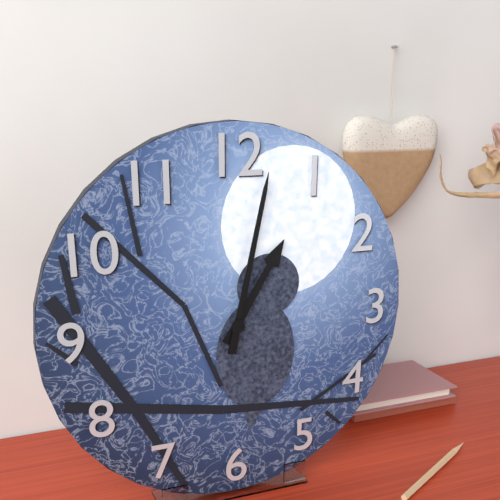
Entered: 1.02
